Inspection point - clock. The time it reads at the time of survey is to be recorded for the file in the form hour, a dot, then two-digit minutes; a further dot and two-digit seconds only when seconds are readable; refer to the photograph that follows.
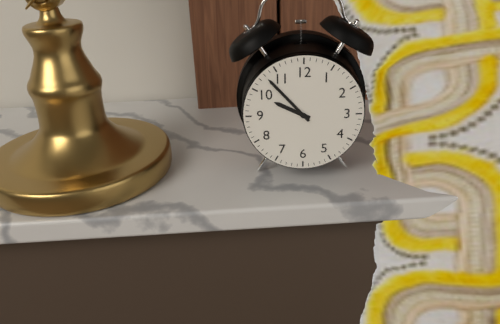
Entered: 9.53
